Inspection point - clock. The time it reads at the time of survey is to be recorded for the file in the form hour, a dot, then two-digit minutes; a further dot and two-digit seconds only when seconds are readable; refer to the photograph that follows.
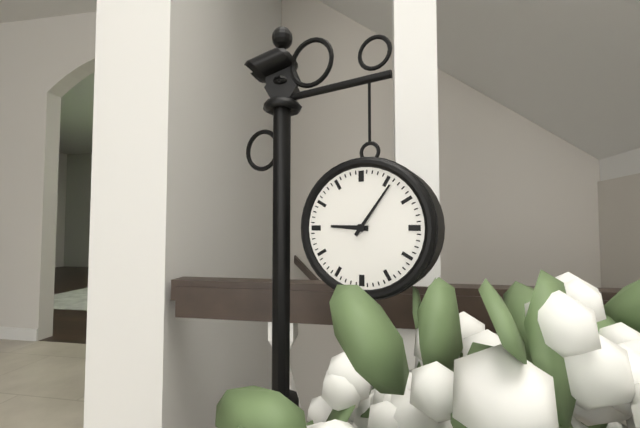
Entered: 9.06
